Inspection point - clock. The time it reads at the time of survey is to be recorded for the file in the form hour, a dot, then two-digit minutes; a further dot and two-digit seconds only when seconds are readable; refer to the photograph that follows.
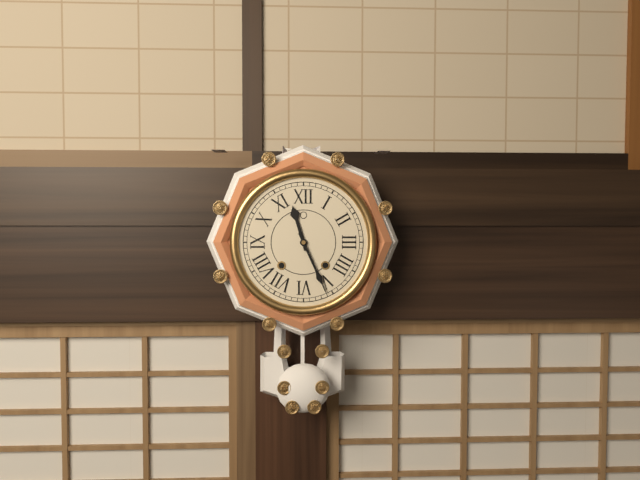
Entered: 11.26
